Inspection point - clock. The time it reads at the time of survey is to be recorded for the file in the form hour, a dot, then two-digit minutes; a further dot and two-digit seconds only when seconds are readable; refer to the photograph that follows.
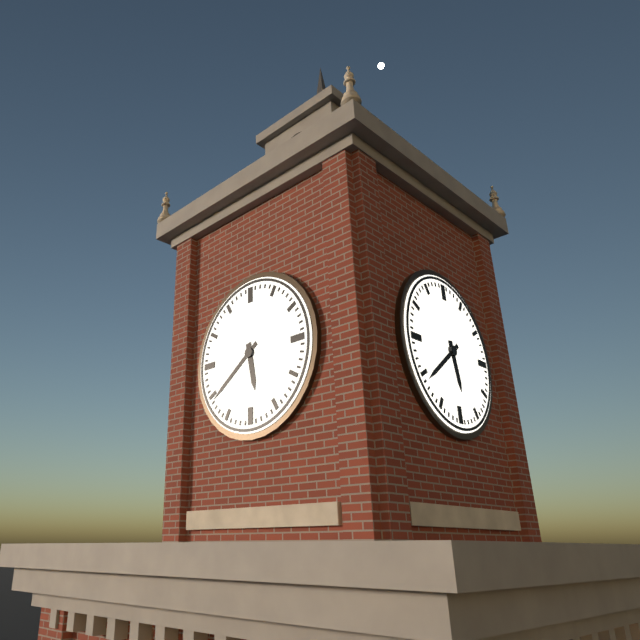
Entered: 5.39
